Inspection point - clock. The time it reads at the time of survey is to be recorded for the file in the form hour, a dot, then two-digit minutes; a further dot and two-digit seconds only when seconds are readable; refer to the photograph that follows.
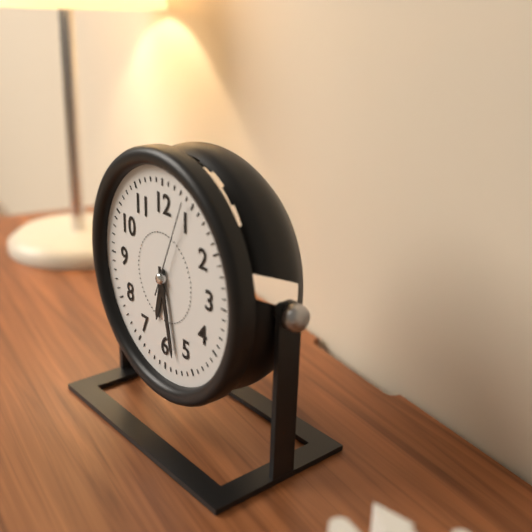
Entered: 6.28.04
